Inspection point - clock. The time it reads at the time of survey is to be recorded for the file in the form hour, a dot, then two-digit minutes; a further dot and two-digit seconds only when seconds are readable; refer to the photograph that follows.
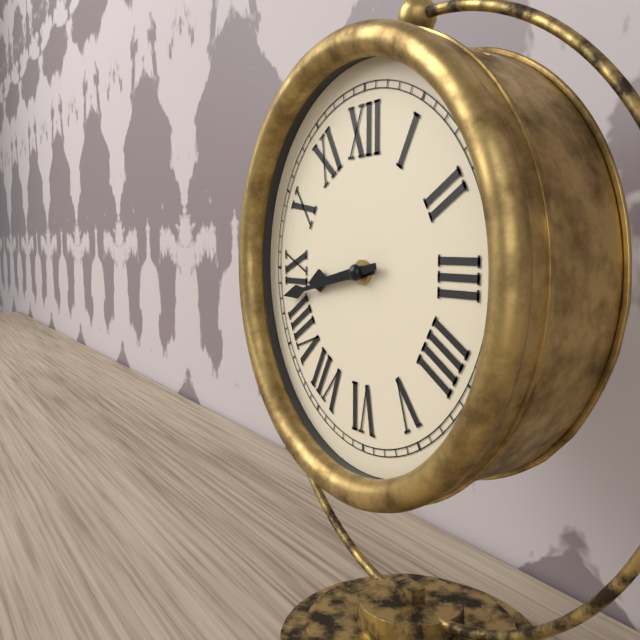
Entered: 8.43
